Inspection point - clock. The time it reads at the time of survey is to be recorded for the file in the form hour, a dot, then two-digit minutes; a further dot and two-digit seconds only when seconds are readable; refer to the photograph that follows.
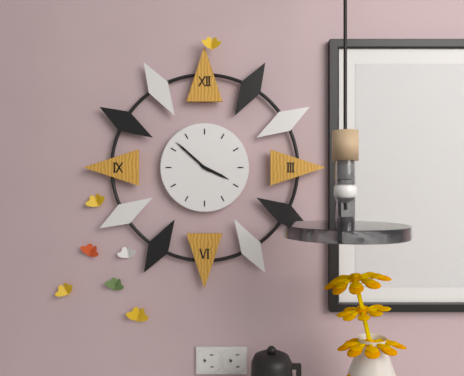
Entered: 3.52
